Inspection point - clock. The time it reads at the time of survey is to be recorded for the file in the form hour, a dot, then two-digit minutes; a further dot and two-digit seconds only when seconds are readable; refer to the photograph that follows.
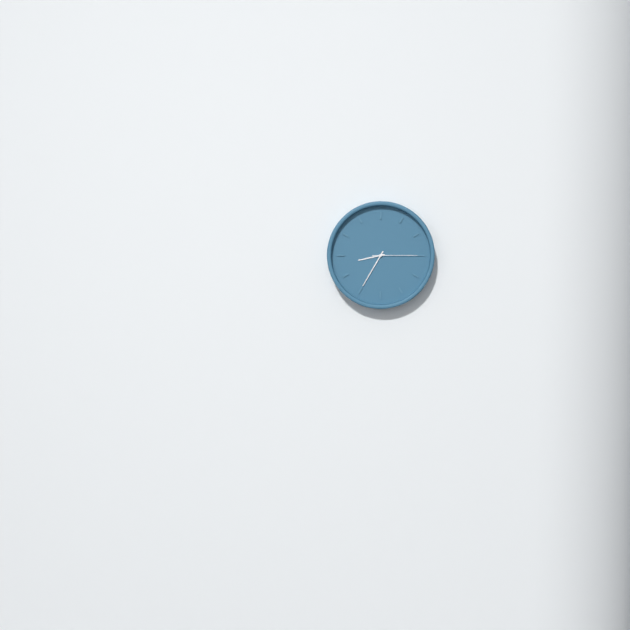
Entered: 8.35
